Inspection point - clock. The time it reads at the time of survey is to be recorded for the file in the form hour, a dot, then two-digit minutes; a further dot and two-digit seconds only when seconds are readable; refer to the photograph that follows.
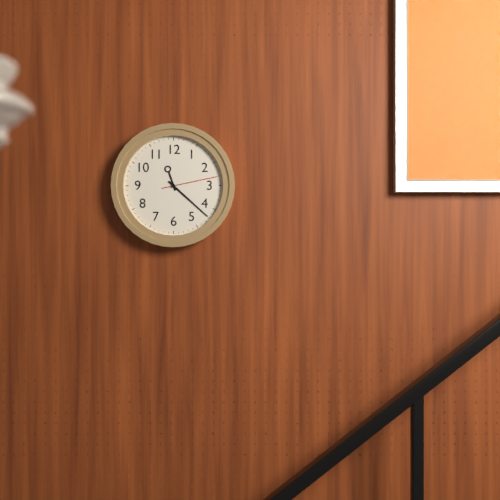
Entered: 11.22.13
